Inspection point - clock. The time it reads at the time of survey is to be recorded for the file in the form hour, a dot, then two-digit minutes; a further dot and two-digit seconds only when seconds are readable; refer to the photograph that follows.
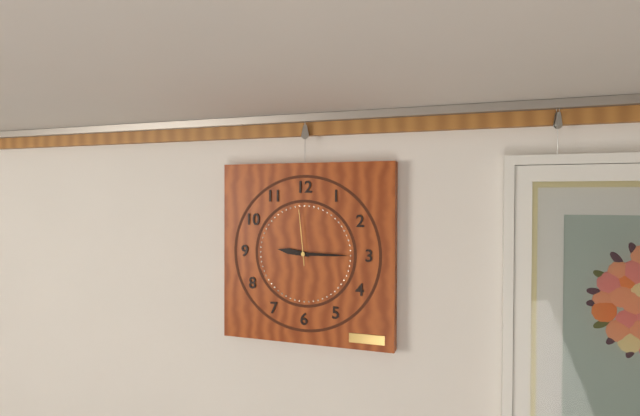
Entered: 9.15.59
